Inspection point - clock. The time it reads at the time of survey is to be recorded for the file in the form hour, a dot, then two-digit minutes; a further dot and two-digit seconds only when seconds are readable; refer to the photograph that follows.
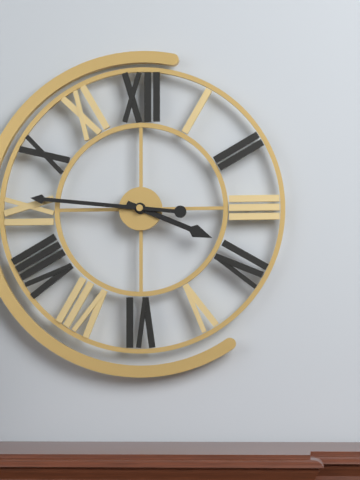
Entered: 3.46
